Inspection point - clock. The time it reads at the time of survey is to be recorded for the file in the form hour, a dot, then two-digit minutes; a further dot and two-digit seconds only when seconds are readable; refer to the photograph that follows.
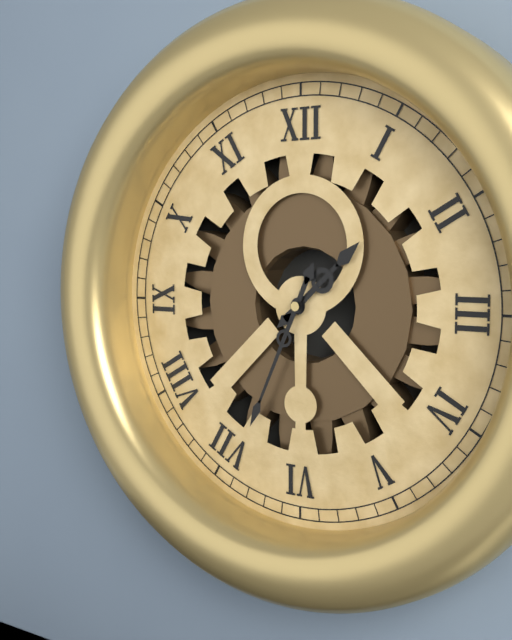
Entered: 1.34
